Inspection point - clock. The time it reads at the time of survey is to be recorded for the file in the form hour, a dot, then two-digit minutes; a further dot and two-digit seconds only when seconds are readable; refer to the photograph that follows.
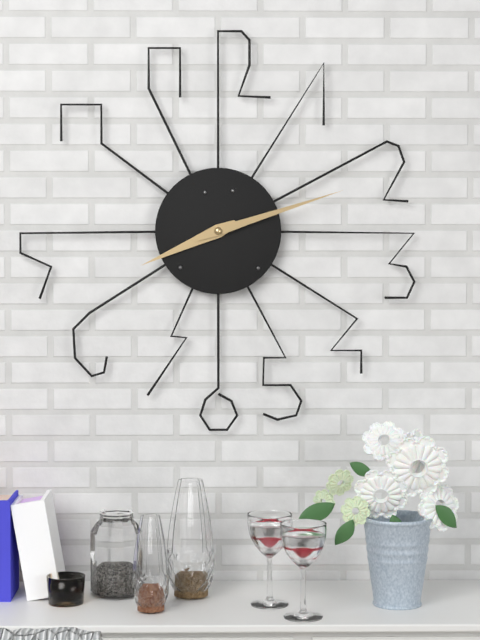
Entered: 8.12
